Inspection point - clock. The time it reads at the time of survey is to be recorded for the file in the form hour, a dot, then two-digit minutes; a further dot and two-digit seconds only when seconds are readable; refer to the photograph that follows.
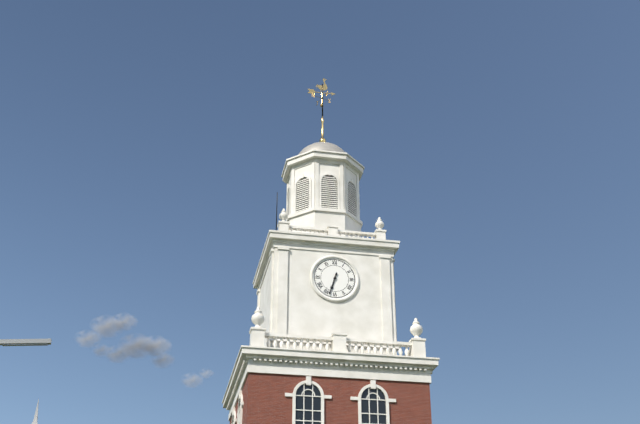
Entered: 6.33
